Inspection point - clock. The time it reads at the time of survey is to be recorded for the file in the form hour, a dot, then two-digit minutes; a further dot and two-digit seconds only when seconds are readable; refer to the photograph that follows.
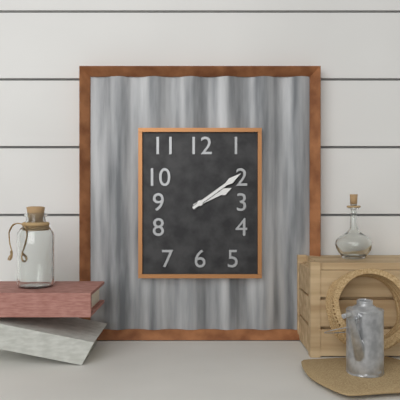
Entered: 2.09
